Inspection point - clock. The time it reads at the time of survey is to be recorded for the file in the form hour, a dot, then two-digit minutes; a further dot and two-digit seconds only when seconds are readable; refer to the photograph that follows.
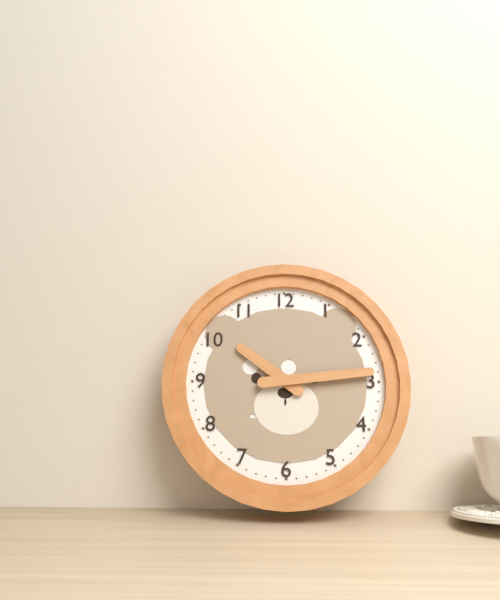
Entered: 10.14
